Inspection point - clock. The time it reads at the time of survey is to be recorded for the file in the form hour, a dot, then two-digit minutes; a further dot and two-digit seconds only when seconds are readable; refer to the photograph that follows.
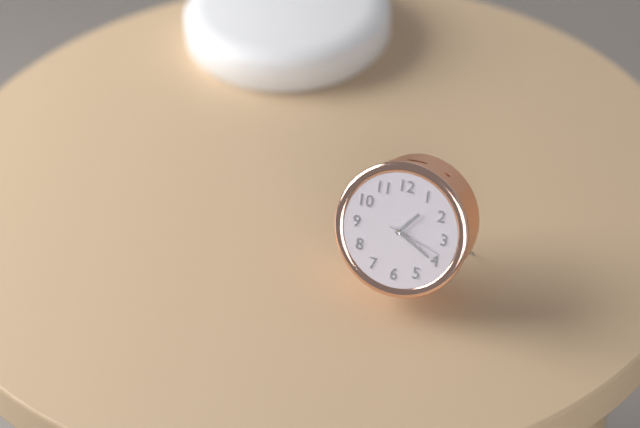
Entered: 1.20.18
